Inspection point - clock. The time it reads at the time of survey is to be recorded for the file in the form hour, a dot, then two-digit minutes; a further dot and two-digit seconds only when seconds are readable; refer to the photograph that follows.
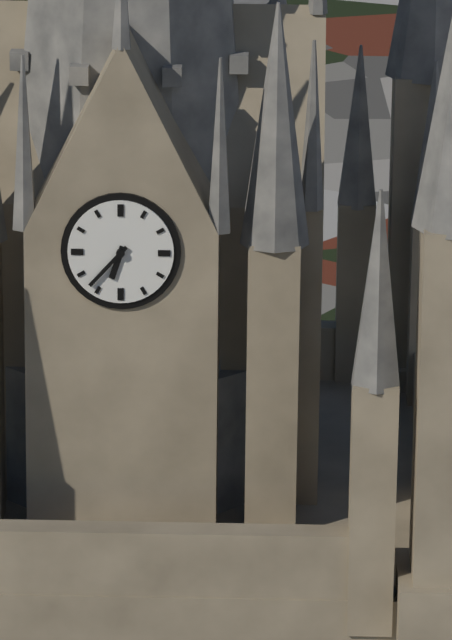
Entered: 6.37
